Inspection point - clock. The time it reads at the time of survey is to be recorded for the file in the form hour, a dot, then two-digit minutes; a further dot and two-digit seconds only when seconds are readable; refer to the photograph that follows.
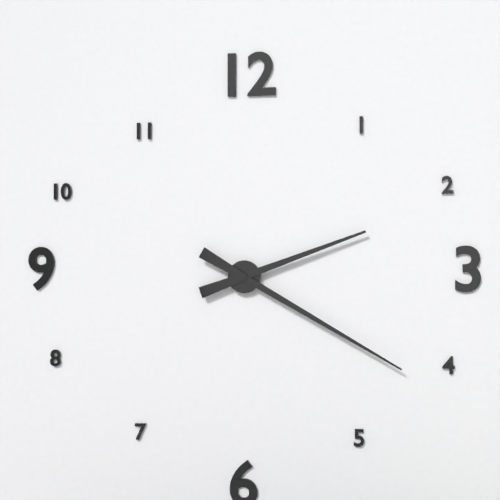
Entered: 2.20
